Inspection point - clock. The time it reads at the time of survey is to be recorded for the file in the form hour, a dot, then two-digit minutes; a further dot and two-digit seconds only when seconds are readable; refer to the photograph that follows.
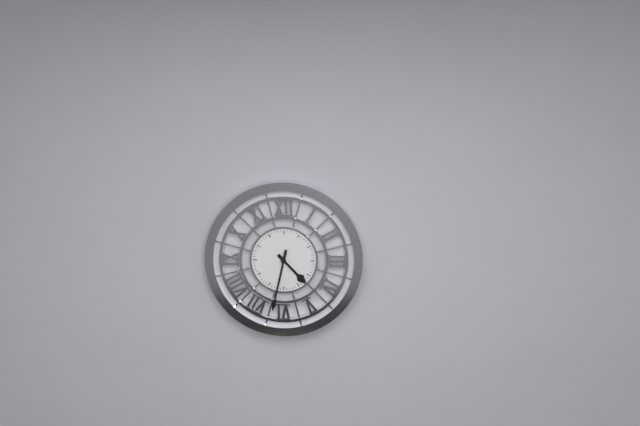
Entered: 4.32
